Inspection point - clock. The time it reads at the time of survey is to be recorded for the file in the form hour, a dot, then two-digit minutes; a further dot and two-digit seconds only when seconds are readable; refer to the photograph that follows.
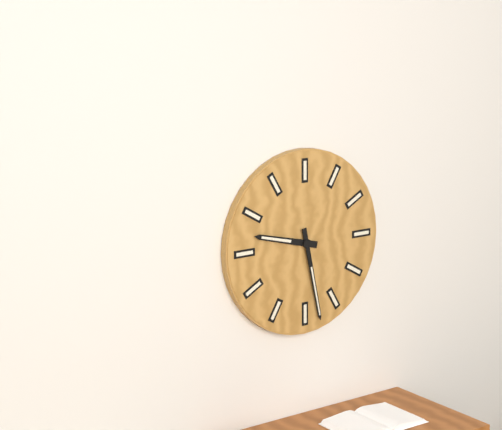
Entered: 9.28
